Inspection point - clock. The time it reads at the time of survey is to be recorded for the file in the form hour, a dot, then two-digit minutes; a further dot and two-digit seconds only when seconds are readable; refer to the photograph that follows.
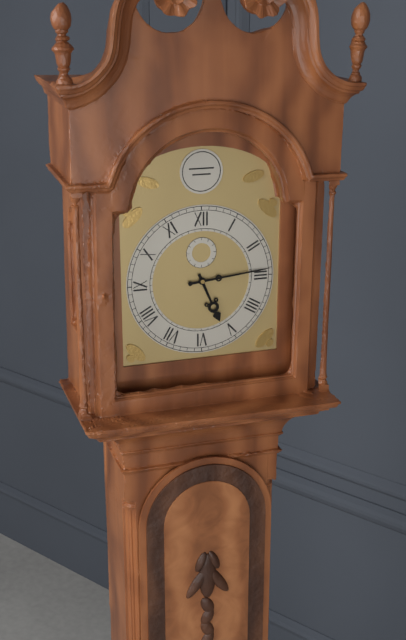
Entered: 5.14
